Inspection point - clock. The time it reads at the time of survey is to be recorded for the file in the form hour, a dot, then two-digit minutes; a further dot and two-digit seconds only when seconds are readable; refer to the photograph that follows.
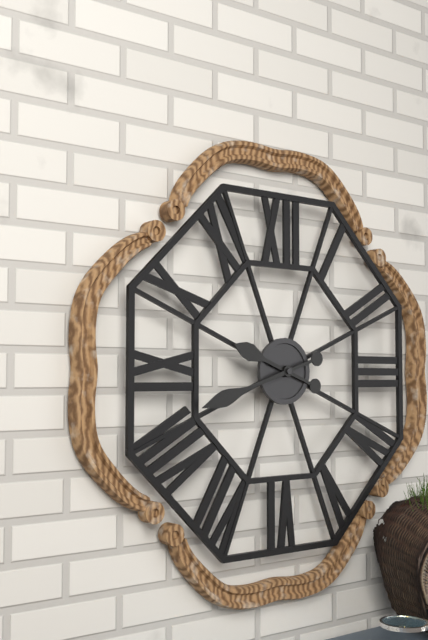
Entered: 9.42
